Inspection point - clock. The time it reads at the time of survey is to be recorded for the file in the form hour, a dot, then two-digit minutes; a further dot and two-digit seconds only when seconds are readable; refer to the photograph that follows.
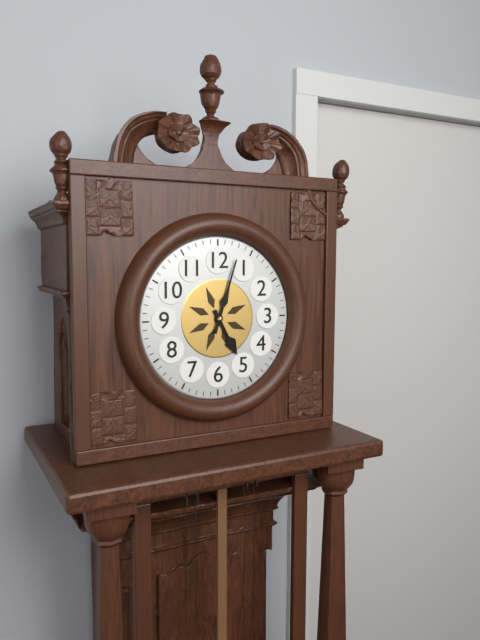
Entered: 5.03
